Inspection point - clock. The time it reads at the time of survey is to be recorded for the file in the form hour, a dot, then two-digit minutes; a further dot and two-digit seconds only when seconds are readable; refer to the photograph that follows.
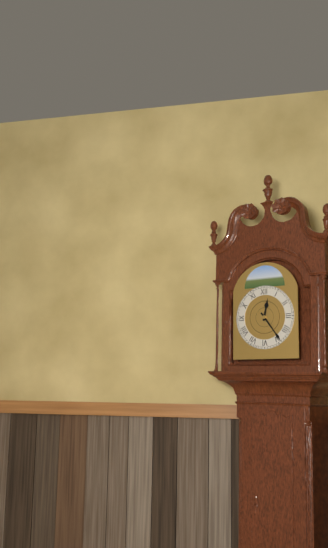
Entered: 12.24
